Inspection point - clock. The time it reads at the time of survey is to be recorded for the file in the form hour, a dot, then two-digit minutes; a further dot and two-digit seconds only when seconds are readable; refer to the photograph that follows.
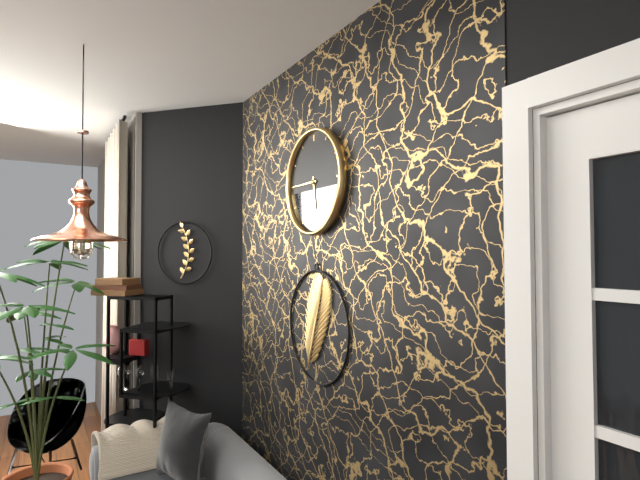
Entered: 5.45
